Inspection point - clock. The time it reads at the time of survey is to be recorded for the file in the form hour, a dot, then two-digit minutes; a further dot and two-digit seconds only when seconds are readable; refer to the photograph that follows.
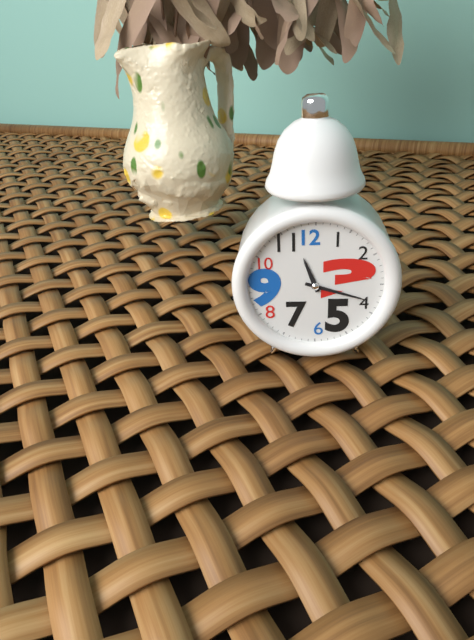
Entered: 11.18
